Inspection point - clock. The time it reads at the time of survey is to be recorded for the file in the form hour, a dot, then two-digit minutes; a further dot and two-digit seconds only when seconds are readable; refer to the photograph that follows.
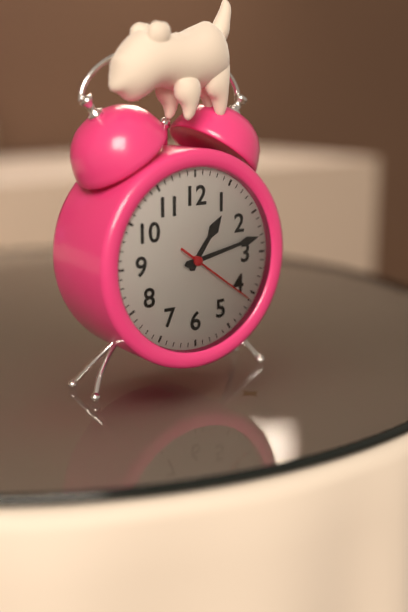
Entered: 1.13.21
